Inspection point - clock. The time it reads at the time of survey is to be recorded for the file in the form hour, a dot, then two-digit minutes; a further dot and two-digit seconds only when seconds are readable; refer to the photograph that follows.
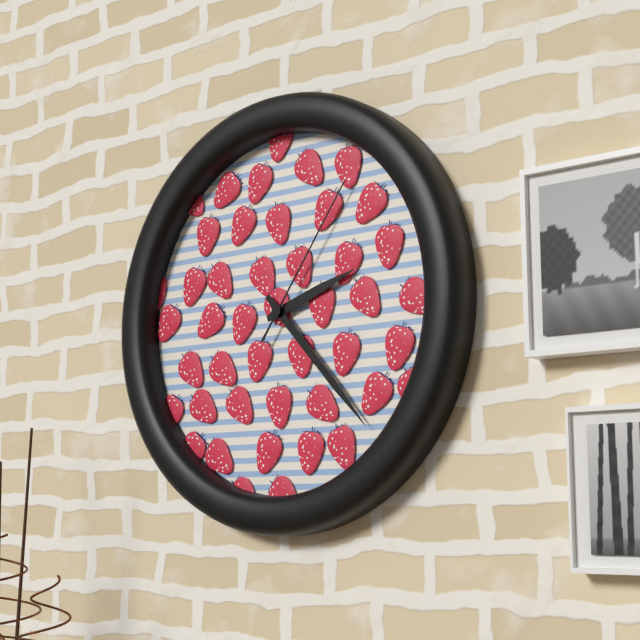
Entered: 2.23.06
